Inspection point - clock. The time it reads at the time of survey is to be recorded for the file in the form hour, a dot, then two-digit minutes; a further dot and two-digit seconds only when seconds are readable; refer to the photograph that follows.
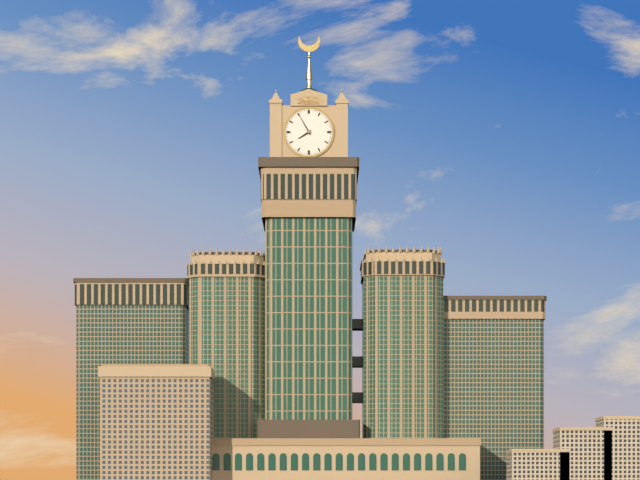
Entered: 7.55
